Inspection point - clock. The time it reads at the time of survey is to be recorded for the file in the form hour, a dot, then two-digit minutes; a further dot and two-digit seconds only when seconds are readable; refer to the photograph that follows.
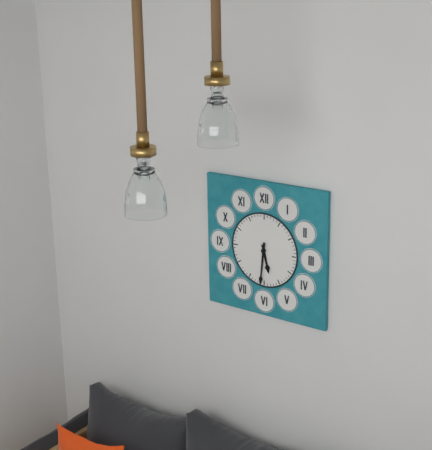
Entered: 5.31
